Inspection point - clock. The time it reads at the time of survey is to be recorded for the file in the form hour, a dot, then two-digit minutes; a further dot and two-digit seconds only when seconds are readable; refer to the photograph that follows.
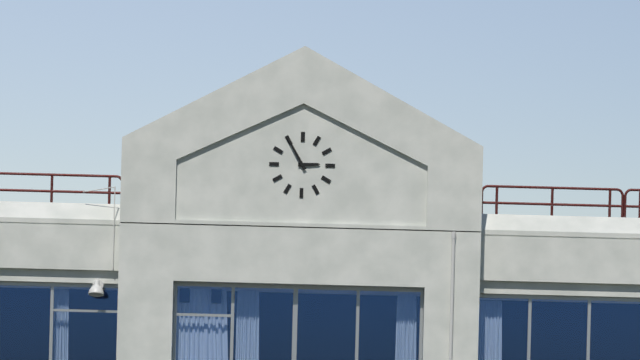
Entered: 2.55
